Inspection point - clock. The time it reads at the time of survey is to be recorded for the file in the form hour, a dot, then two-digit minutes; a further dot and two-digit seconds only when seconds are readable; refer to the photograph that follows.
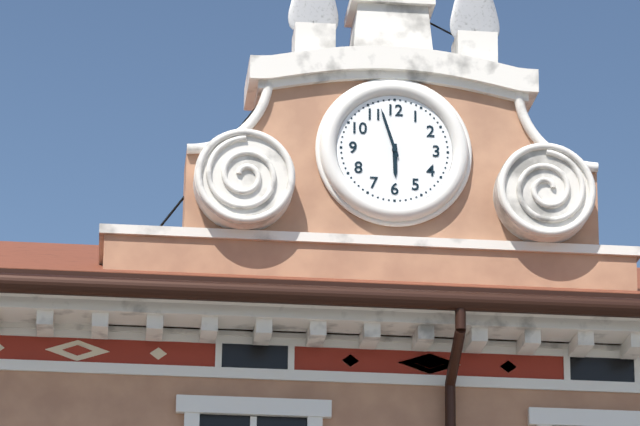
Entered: 5.57
